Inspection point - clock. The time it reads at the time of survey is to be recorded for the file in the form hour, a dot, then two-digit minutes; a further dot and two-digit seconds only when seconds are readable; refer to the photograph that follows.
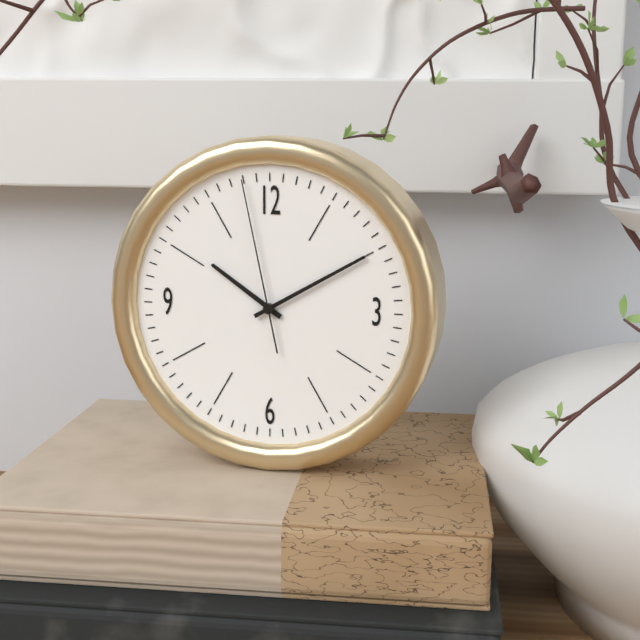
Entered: 10.10.58
